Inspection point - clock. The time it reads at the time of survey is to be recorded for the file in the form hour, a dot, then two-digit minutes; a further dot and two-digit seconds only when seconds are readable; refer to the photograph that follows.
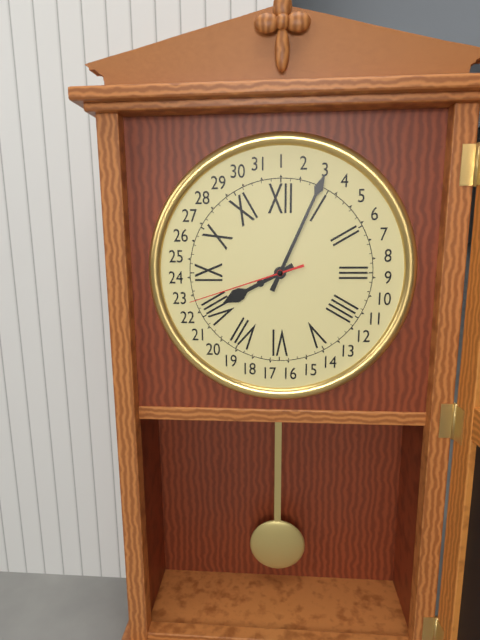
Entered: 8.04.42
